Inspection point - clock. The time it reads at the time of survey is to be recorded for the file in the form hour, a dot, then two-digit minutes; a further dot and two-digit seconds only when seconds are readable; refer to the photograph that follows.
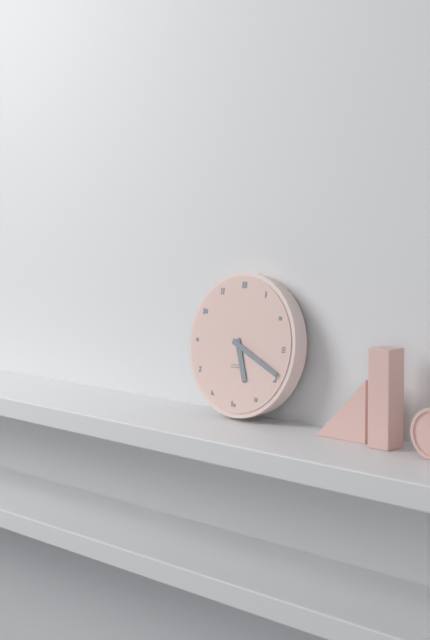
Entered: 5.19
